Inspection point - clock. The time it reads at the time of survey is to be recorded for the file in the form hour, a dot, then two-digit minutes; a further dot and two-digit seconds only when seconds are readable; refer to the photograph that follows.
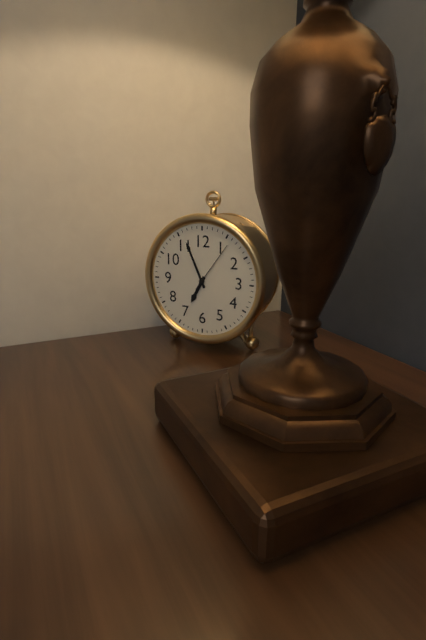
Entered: 6.56.06
